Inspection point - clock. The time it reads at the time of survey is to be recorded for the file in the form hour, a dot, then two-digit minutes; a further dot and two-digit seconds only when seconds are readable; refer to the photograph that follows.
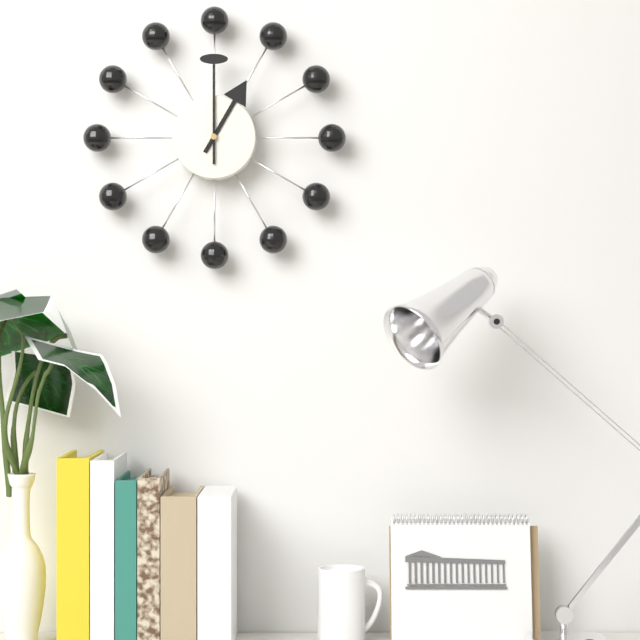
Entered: 1.00
